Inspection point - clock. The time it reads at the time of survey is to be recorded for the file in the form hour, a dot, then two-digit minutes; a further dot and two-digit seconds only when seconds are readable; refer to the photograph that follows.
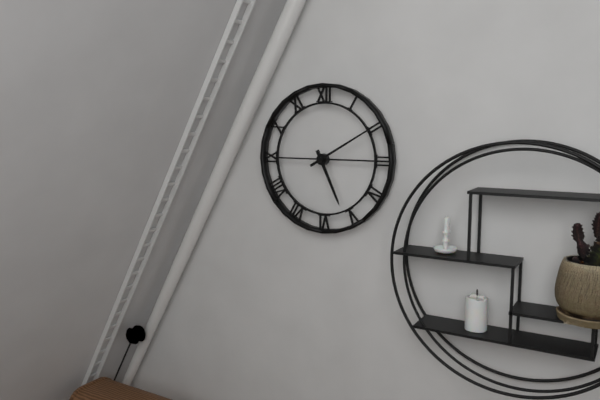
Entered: 5.10
